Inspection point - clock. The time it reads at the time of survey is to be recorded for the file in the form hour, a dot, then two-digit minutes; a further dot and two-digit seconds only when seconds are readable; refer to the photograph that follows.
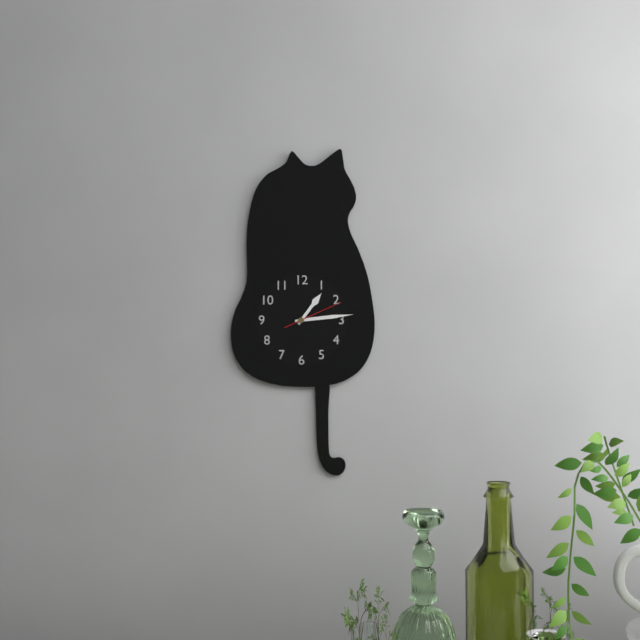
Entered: 1.14.11
